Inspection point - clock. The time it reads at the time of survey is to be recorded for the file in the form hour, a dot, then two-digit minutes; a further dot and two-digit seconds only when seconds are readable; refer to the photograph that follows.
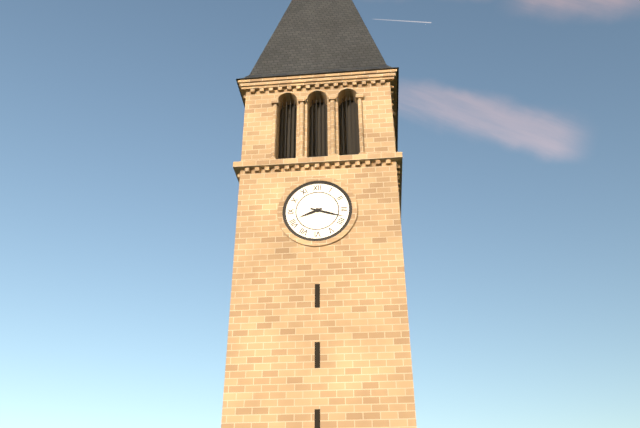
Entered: 8.18
